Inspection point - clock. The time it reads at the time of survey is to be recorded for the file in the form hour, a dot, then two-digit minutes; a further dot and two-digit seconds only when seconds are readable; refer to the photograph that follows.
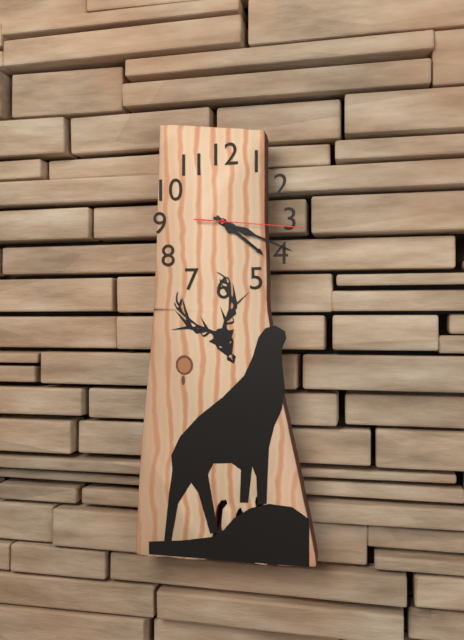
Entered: 4.19.16
